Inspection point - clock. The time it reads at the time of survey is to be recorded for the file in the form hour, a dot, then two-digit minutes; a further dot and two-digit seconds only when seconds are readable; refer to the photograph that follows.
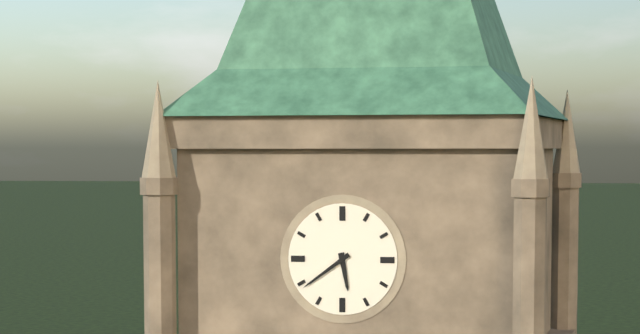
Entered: 5.39
